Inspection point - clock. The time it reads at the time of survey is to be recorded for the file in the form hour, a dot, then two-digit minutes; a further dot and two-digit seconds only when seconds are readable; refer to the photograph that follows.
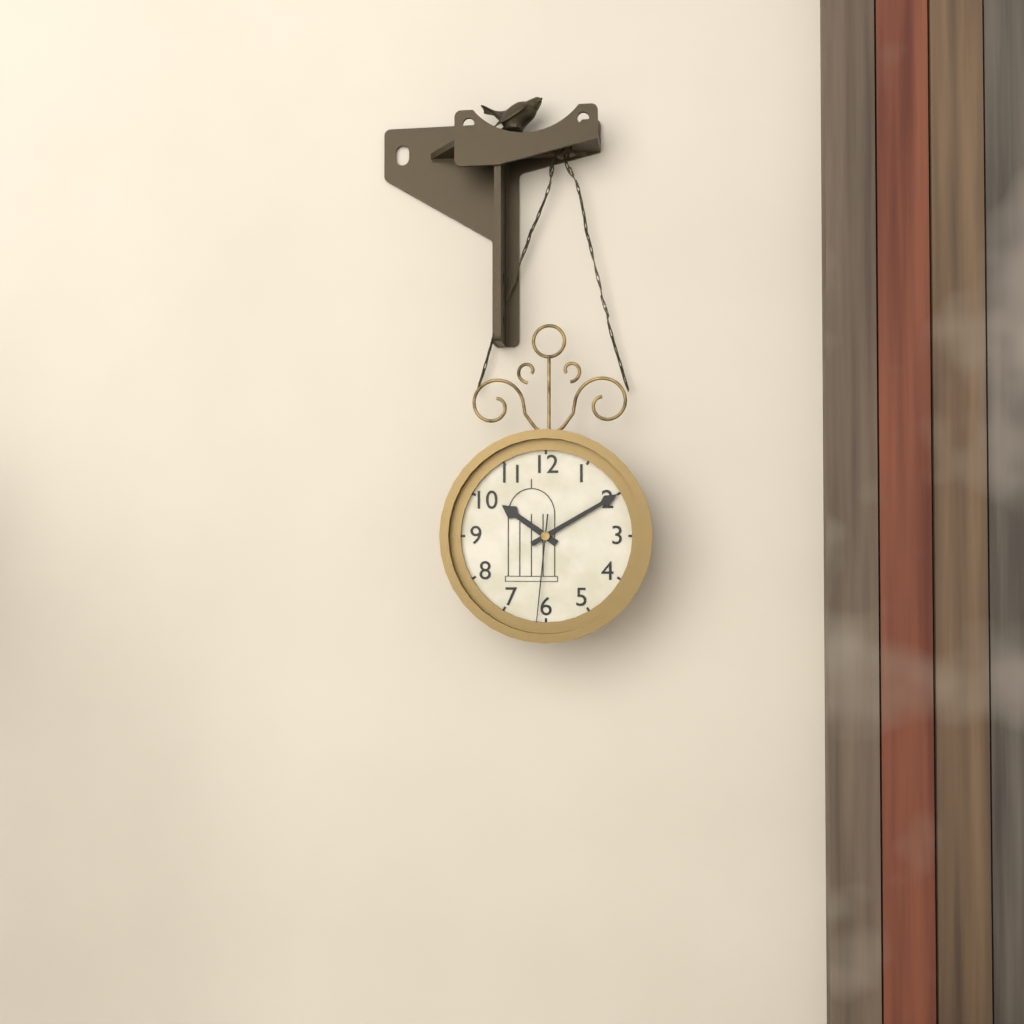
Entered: 10.10.31
